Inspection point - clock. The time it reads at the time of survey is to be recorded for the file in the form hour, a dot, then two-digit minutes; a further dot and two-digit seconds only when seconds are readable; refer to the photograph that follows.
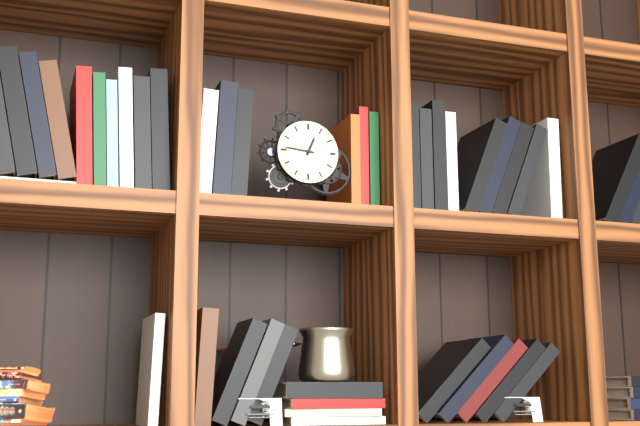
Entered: 12.46
